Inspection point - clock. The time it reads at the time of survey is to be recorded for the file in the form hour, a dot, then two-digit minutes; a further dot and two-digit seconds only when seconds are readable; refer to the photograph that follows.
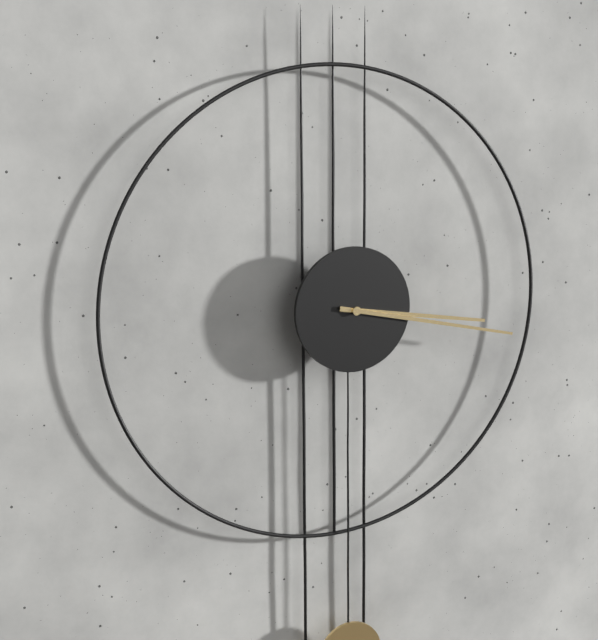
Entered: 3.17
